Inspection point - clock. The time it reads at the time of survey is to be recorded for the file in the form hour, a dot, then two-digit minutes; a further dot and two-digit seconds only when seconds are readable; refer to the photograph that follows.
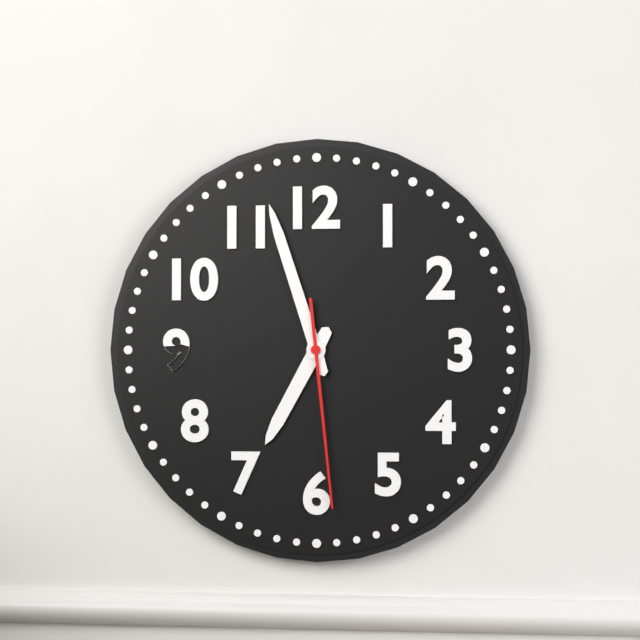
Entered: 6.57.29
